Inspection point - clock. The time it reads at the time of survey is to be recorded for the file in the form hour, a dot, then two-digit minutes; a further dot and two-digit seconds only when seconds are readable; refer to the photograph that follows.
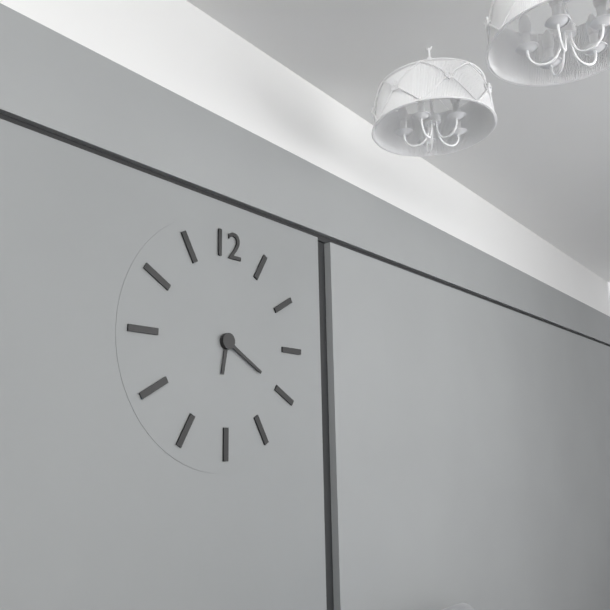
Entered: 6.20
